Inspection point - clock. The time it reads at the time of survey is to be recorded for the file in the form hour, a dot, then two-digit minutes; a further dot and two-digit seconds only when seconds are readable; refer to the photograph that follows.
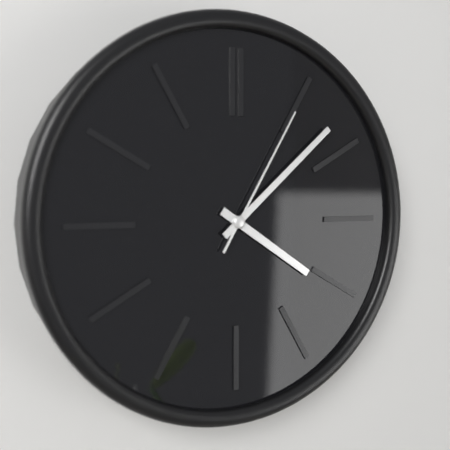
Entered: 4.08.05
